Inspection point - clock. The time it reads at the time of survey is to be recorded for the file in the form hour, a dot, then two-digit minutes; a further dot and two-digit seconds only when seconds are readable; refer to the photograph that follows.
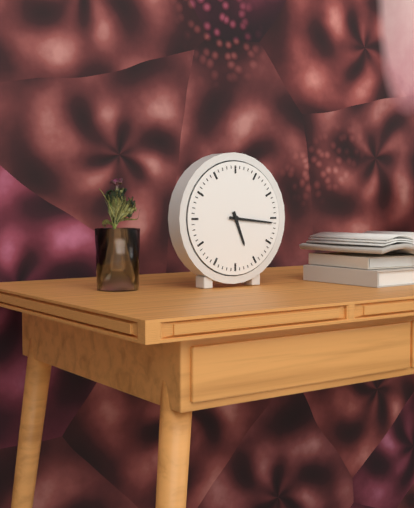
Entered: 5.16
